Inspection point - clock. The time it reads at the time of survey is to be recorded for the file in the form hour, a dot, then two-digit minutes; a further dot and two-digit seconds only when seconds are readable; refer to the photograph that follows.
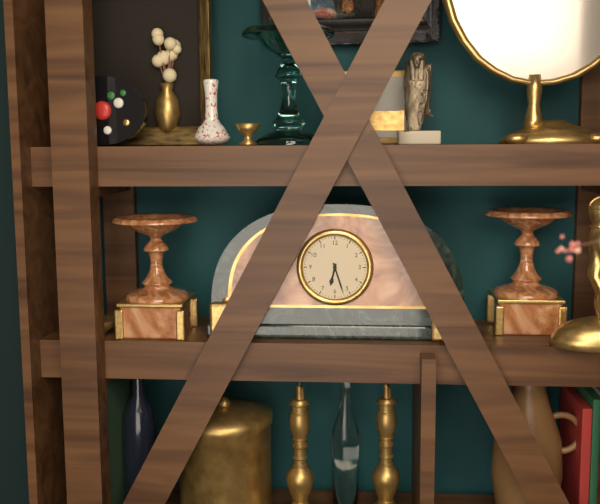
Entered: 6.27
